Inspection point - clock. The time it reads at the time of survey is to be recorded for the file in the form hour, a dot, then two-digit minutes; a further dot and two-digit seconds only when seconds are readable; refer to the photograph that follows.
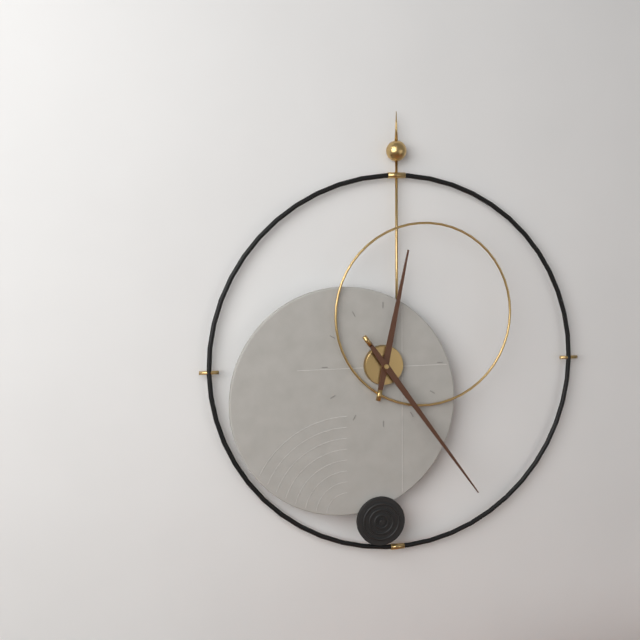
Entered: 12.24
